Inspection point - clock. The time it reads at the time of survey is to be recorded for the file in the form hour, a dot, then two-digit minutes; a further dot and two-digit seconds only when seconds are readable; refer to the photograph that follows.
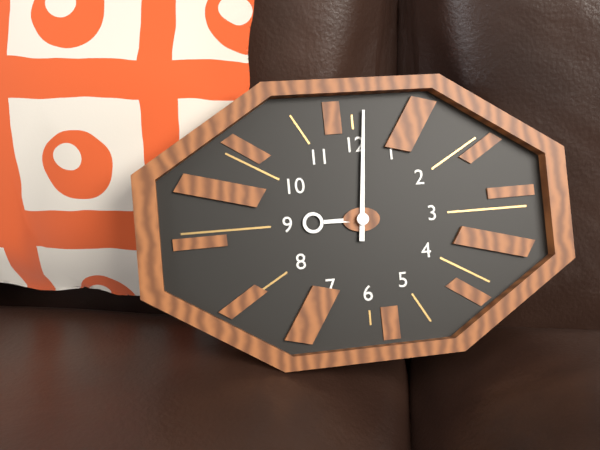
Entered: 9.01
